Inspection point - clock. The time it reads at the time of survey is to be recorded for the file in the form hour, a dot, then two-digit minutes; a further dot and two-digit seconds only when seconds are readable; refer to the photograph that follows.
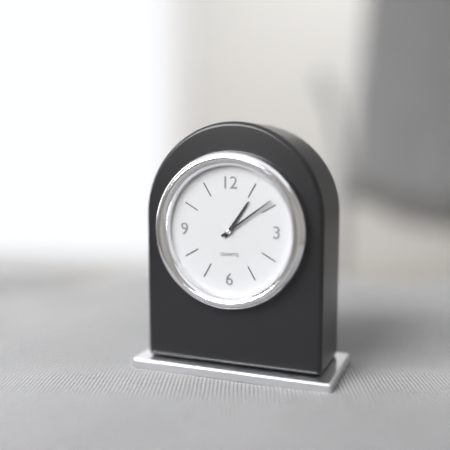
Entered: 1.09
